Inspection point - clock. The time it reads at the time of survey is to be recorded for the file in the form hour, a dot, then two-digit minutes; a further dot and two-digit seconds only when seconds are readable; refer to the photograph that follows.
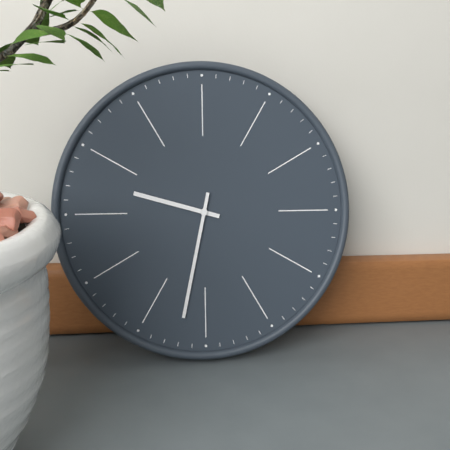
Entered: 9.32
